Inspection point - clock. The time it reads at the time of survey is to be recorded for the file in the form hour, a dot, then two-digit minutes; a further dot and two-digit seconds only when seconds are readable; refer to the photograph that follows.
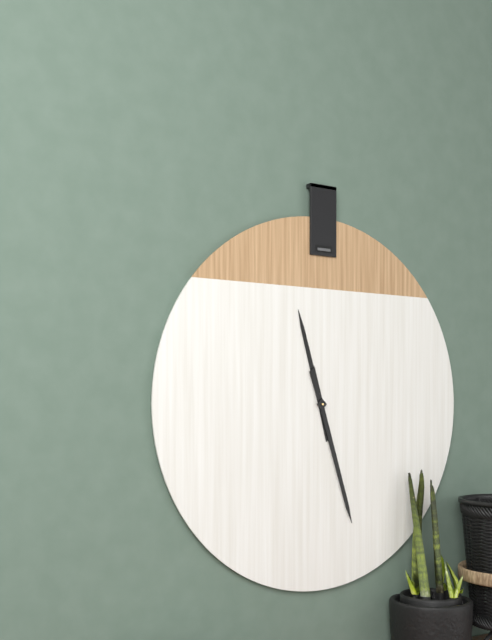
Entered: 11.27
